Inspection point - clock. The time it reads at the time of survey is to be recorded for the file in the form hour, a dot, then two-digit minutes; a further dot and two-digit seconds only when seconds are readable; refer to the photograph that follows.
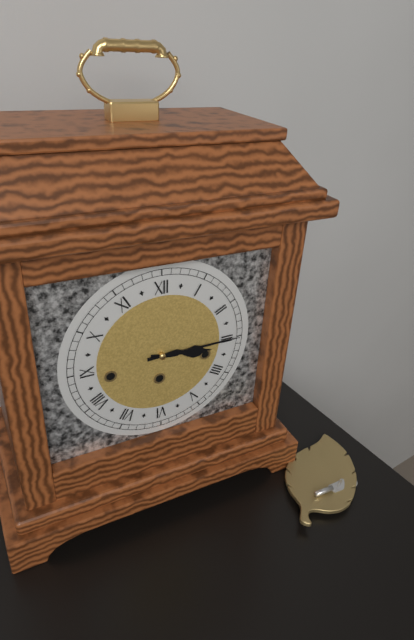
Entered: 3.15
